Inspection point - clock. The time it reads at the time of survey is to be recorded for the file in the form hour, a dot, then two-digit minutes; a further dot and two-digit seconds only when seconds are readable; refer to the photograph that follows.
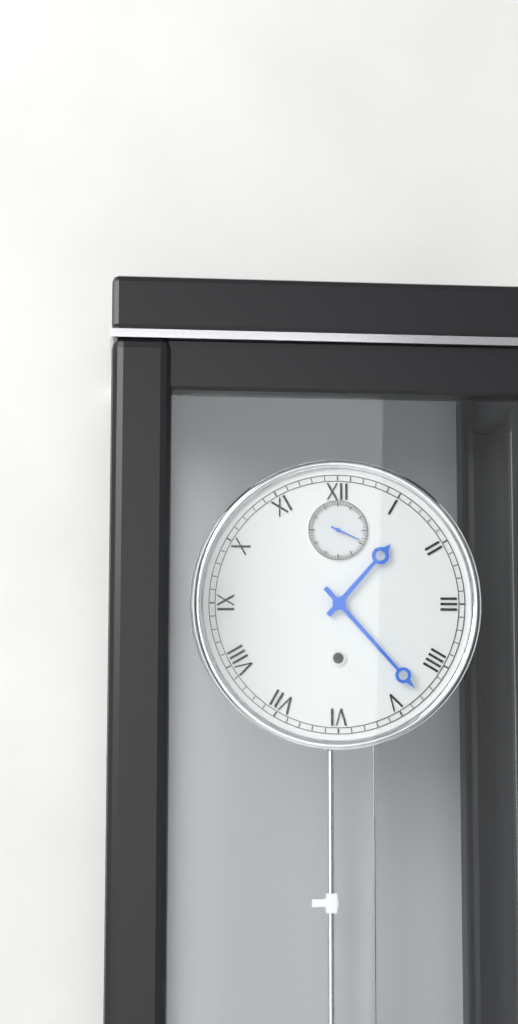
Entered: 1.23
